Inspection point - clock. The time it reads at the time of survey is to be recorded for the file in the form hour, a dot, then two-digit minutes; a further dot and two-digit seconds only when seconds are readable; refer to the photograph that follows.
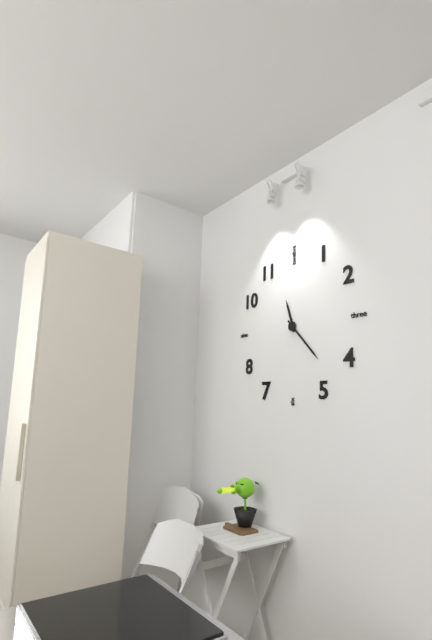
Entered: 11.23
